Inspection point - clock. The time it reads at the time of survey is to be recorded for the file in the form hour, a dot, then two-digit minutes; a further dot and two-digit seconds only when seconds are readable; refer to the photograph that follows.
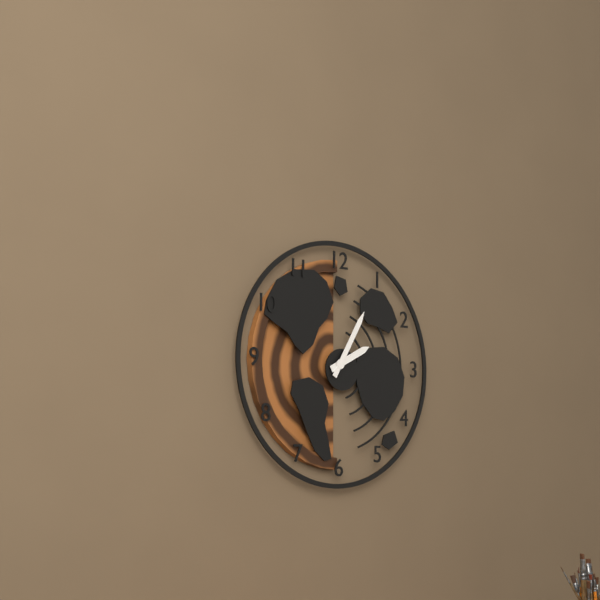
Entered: 2.05
